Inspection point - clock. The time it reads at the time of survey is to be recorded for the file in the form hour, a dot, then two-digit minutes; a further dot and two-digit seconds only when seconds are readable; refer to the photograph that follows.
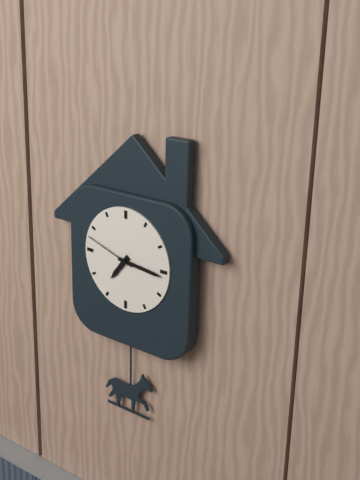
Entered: 7.16.48
